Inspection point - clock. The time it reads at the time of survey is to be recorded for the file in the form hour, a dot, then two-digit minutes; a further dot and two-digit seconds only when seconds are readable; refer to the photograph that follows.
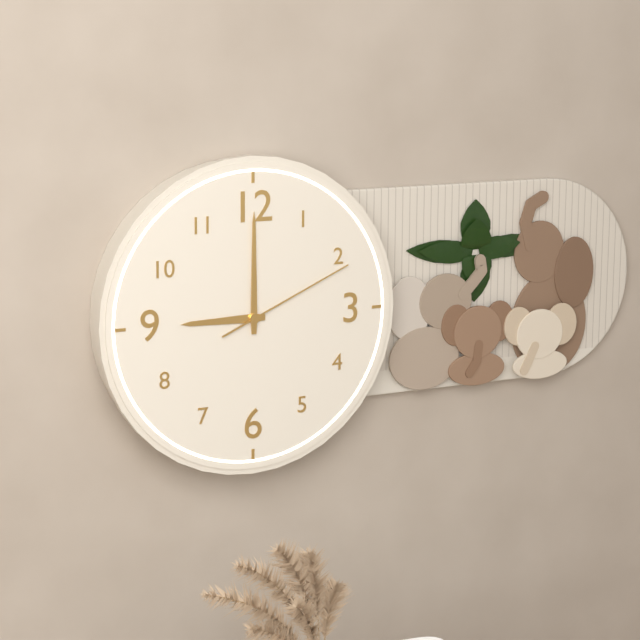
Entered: 9.00.11
